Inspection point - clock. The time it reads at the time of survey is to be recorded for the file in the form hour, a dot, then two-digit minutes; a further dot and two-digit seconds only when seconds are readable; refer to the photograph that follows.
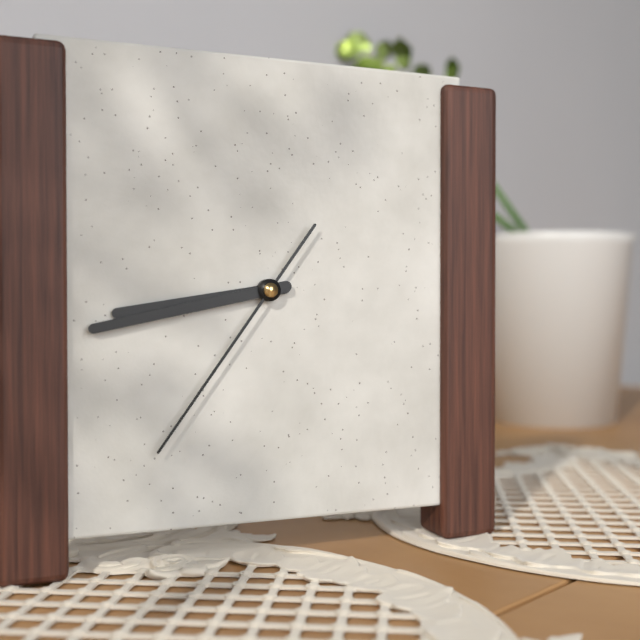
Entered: 8.43.36
